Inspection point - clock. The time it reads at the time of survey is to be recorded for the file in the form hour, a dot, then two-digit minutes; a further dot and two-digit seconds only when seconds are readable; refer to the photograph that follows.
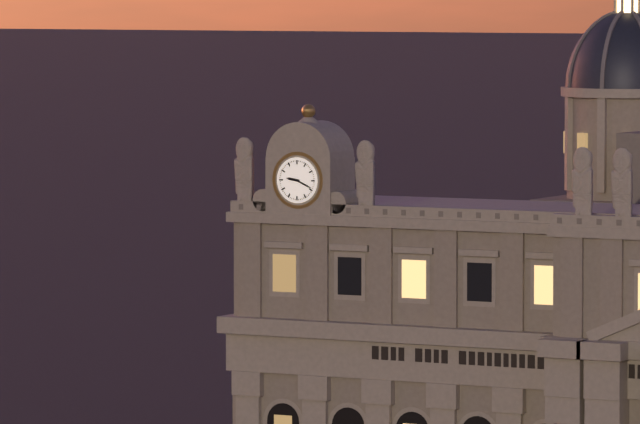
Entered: 9.19
